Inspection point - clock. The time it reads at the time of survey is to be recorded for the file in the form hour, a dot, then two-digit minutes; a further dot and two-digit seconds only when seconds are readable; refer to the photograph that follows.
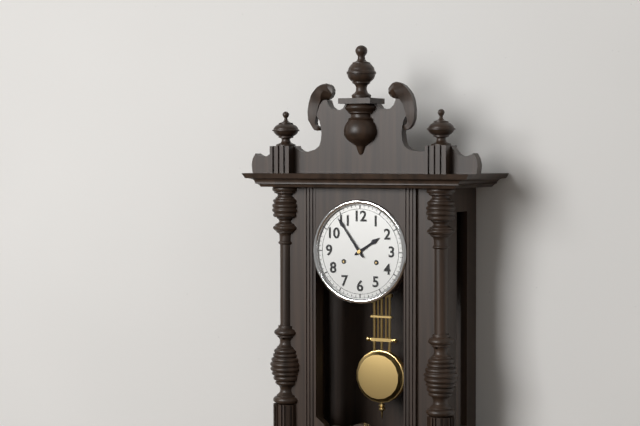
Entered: 1.54
